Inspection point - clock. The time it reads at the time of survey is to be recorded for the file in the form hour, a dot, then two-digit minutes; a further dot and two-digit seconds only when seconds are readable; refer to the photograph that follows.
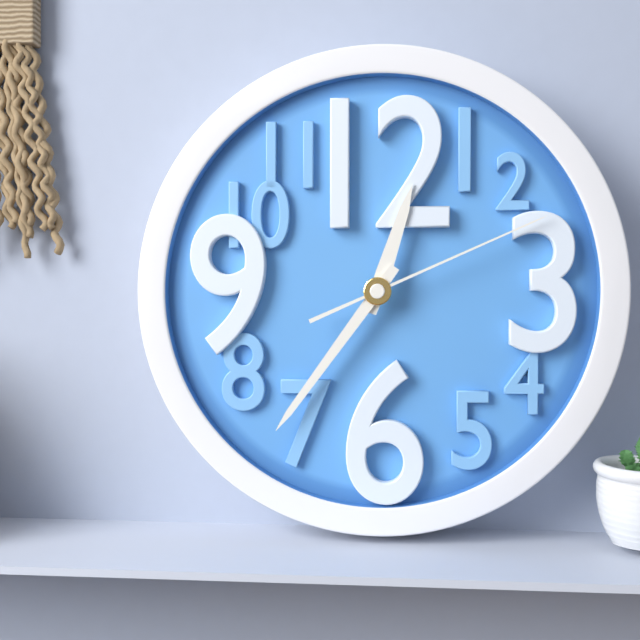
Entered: 12.36.11
